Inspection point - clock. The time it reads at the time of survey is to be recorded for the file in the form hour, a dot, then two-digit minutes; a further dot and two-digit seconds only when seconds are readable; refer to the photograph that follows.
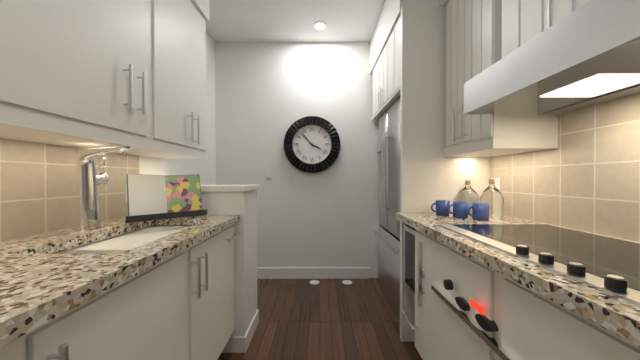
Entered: 3.53
